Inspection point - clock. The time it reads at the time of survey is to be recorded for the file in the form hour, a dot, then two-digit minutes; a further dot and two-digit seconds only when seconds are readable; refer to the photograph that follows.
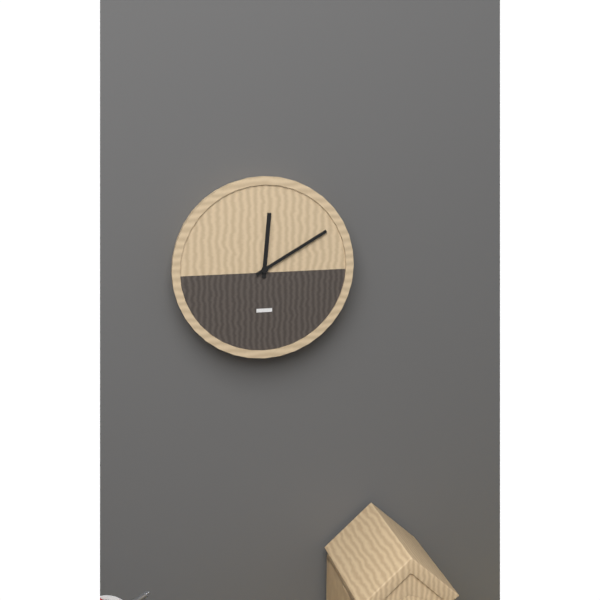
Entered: 12.10
